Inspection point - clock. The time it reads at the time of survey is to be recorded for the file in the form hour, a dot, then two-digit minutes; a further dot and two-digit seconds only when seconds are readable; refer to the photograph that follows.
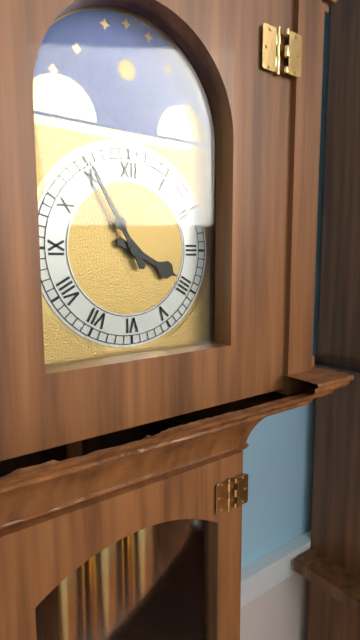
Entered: 3.55
